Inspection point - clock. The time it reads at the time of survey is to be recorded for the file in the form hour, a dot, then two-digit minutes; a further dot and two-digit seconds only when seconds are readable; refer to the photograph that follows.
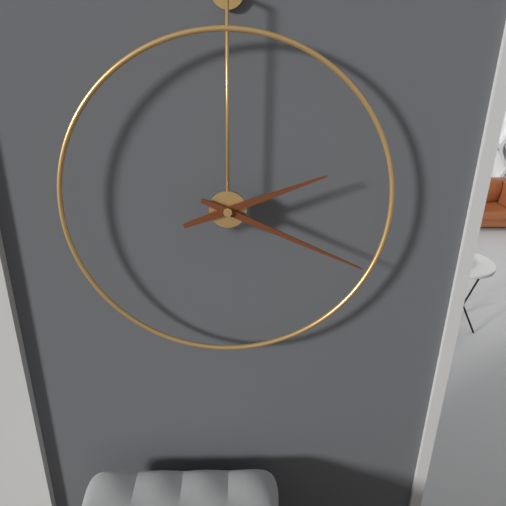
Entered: 2.19
